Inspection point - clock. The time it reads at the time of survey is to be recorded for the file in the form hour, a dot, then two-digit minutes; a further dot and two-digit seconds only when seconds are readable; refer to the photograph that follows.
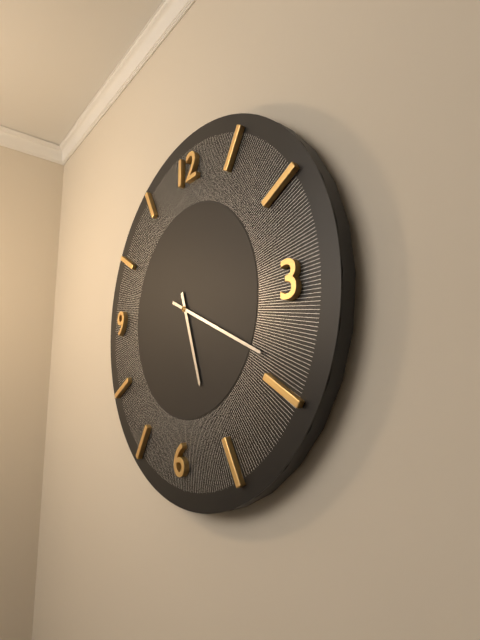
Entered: 5.19
